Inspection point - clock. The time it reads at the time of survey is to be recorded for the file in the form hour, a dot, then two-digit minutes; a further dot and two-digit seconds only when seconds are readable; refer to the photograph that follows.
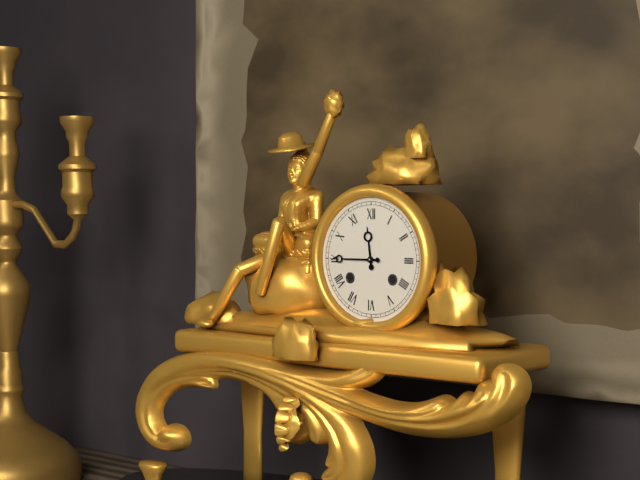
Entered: 11.45
